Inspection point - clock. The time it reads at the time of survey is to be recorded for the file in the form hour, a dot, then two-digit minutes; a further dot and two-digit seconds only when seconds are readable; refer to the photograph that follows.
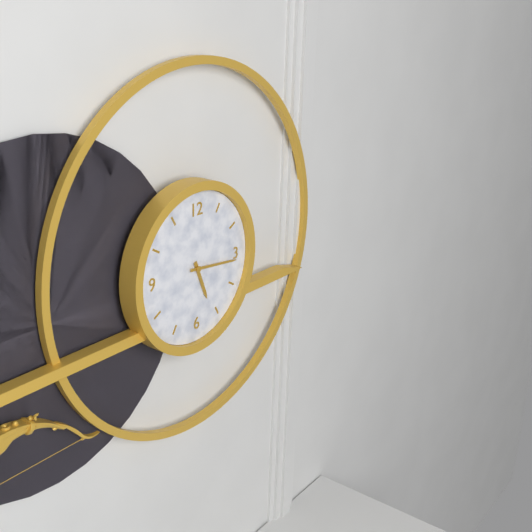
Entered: 5.16
